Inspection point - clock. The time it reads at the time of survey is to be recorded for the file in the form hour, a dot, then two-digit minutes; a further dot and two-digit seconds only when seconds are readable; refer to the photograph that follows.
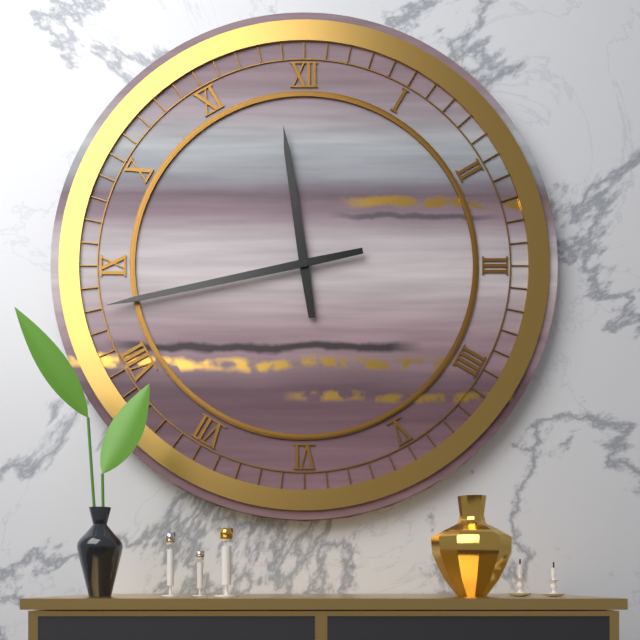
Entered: 11.43
